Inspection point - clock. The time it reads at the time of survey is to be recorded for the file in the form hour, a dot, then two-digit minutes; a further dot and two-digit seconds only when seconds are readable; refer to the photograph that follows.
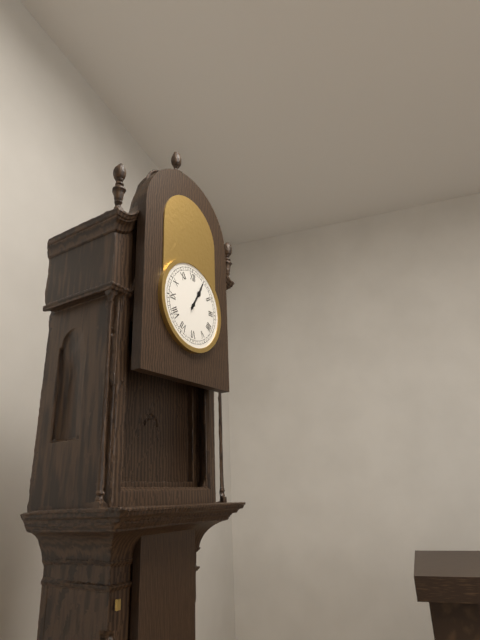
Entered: 1.05
